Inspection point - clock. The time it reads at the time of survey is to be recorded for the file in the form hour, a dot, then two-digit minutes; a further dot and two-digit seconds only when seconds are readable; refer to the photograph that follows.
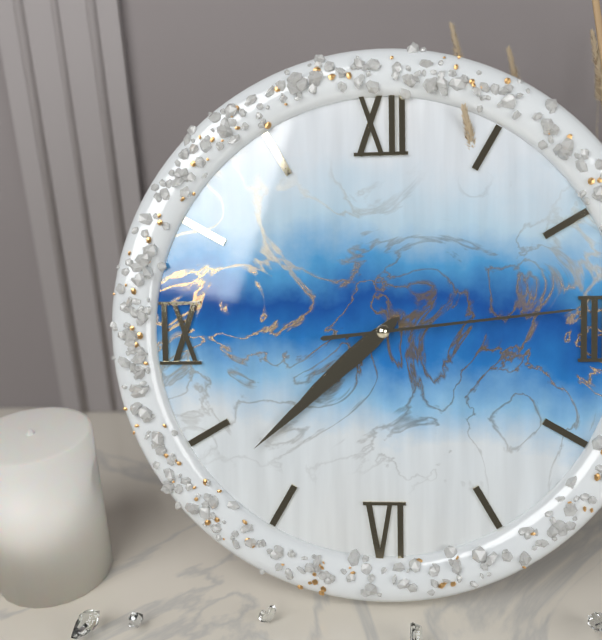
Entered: 7.38.14
